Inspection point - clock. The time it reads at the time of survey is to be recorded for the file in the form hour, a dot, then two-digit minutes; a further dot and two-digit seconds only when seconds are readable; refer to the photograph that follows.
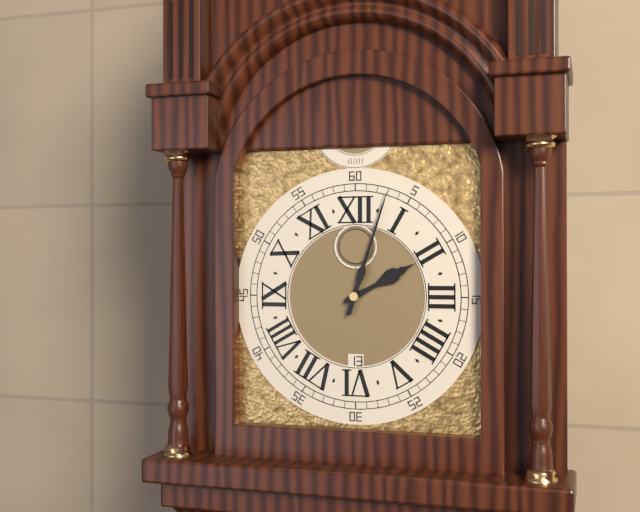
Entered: 2.03
